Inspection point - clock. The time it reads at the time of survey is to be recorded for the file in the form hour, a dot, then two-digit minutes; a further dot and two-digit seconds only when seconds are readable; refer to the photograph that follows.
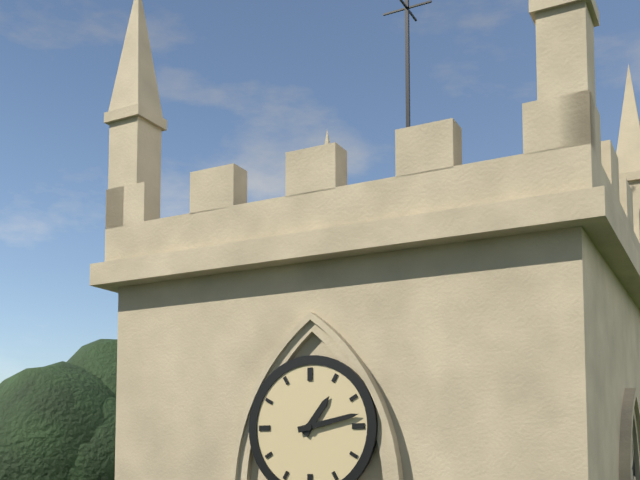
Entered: 1.13
